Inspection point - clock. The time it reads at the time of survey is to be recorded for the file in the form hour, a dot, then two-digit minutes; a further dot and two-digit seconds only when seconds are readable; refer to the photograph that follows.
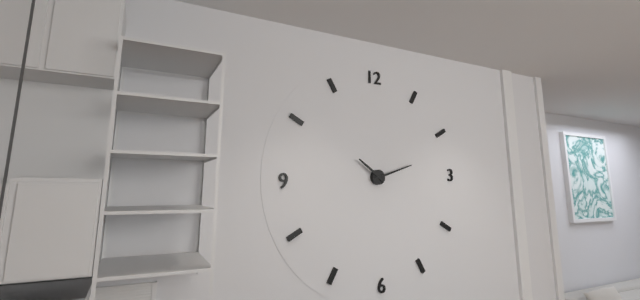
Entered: 10.12
